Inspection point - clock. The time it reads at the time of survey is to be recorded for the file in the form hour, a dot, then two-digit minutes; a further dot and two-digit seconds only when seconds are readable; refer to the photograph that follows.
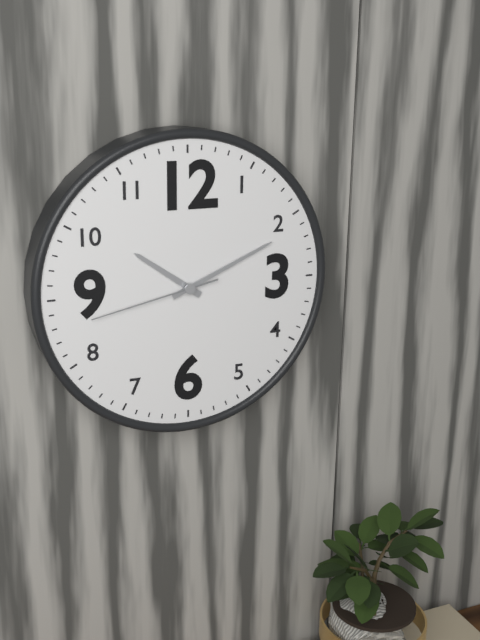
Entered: 10.11.43
